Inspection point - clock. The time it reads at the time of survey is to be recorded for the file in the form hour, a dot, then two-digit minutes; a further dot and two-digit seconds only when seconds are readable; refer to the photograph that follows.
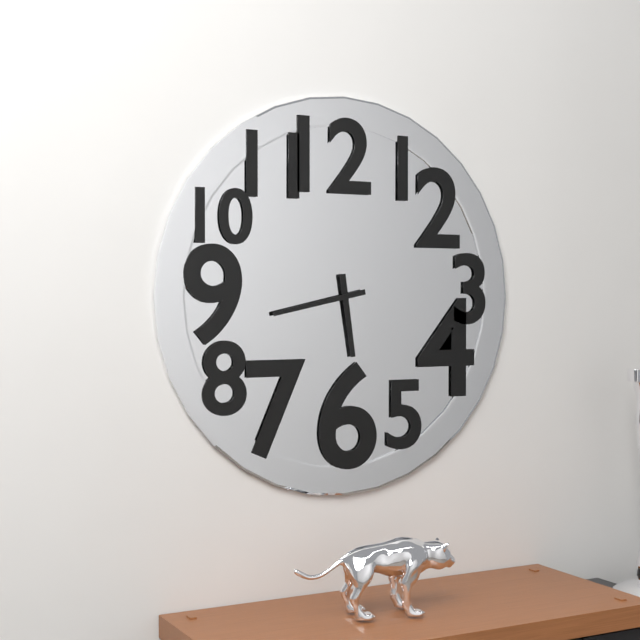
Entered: 5.43
